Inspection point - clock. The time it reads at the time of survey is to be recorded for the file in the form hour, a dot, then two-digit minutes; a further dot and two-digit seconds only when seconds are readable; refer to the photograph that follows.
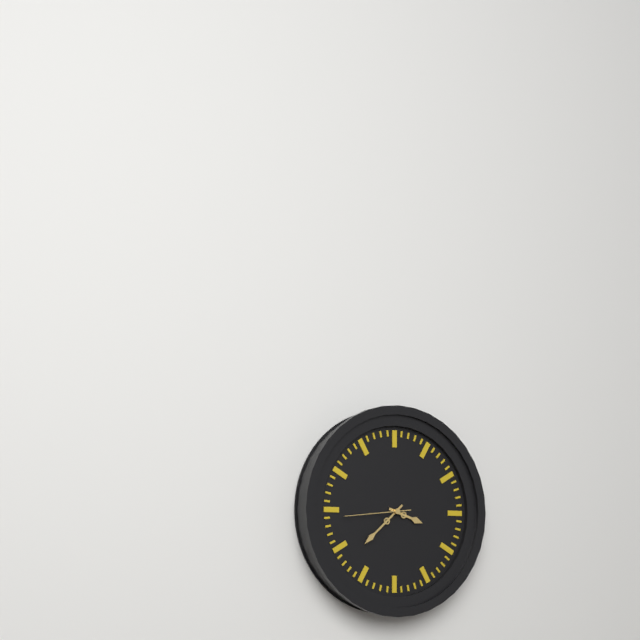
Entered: 3.38.44
